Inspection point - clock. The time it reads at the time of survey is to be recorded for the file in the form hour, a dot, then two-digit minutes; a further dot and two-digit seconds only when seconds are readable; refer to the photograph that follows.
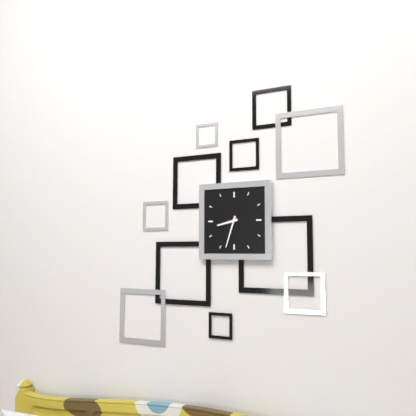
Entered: 8.33
